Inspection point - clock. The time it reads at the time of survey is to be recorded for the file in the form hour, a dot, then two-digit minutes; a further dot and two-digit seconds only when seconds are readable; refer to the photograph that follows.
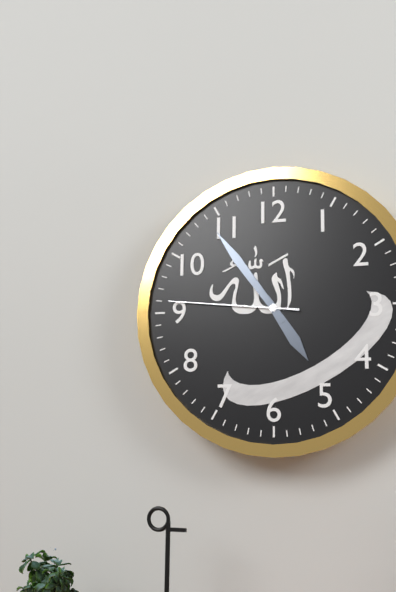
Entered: 4.54.46
